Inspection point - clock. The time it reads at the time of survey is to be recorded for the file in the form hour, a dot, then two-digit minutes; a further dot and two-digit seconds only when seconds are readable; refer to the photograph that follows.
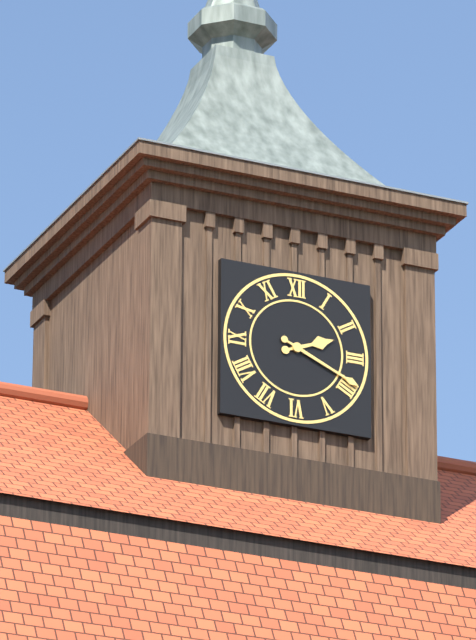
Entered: 2.19
